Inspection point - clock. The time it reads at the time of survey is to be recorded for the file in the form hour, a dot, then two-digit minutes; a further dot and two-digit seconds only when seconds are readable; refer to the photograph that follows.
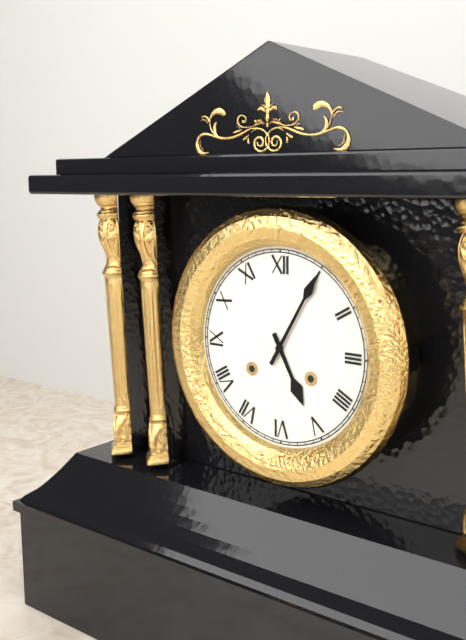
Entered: 5.05
